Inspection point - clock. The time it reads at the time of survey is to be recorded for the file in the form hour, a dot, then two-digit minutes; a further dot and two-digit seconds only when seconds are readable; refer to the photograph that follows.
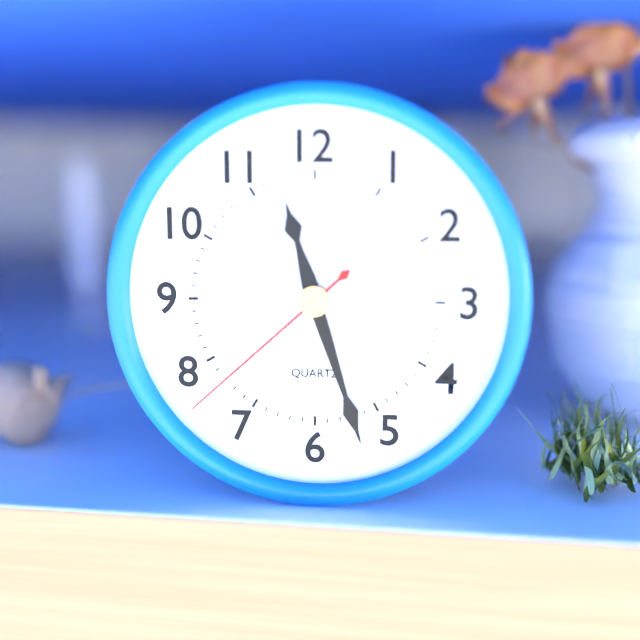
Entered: 11.27.38
